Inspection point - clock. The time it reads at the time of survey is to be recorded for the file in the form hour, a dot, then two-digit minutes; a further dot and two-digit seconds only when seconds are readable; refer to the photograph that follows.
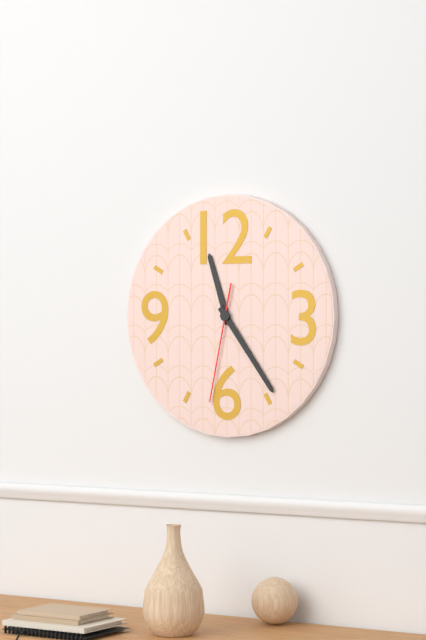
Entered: 11.24.32
